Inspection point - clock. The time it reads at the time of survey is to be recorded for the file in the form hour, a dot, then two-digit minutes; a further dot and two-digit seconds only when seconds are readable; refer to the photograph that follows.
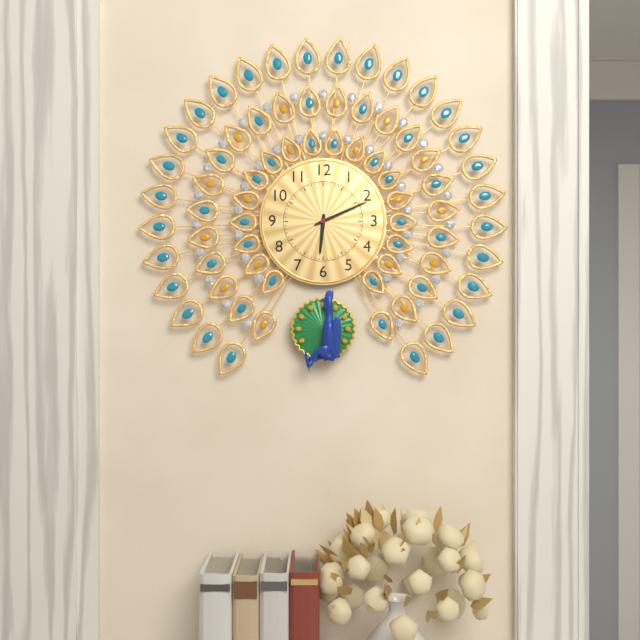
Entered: 6.11
